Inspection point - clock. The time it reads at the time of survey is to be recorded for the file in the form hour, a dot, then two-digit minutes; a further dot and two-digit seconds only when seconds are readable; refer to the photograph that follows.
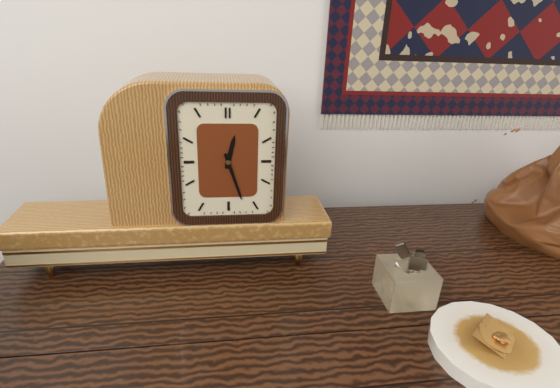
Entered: 12.27
